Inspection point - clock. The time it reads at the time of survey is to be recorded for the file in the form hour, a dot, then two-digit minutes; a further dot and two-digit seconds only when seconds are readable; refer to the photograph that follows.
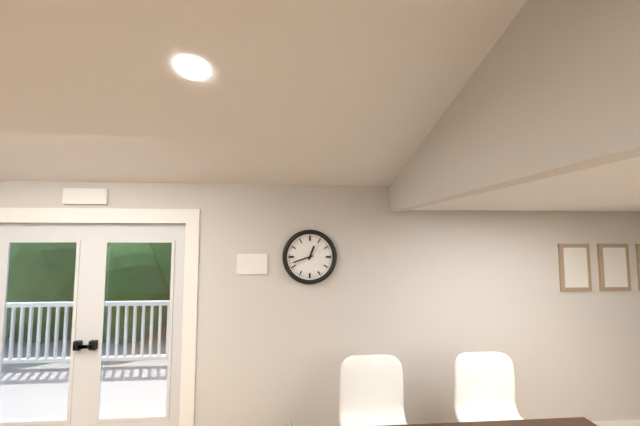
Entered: 12.42
